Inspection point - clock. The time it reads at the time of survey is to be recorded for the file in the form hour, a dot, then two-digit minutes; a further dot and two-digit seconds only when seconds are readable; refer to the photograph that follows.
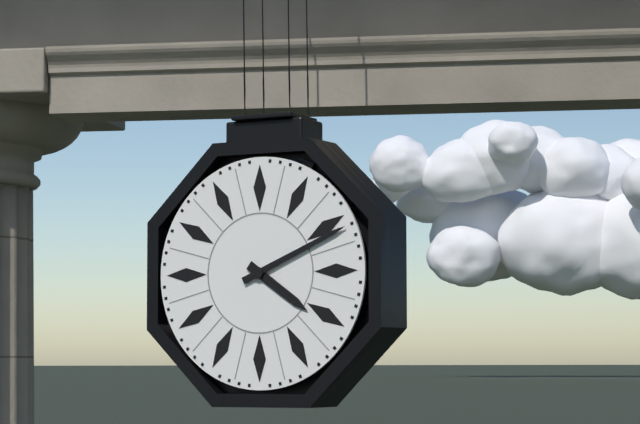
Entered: 4.11
